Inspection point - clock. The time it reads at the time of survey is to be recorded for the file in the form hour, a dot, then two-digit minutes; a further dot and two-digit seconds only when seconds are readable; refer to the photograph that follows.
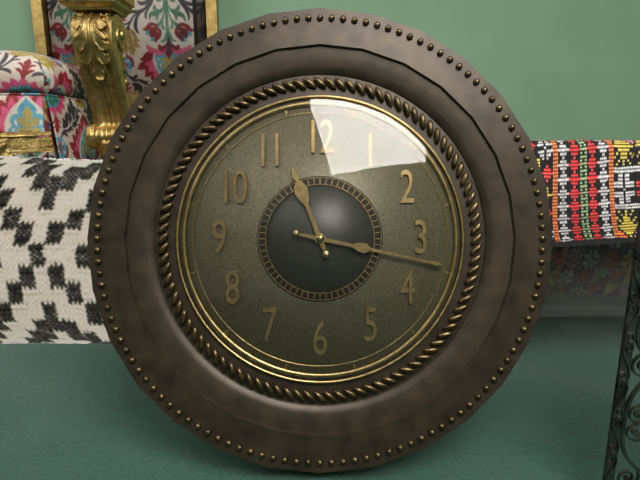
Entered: 11.17
